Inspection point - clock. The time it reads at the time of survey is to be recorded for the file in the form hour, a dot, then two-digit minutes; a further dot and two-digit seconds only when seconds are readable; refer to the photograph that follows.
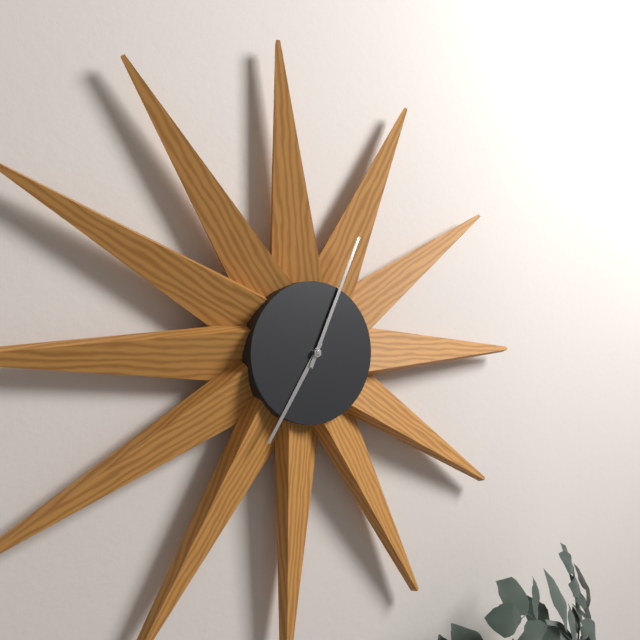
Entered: 7.04
